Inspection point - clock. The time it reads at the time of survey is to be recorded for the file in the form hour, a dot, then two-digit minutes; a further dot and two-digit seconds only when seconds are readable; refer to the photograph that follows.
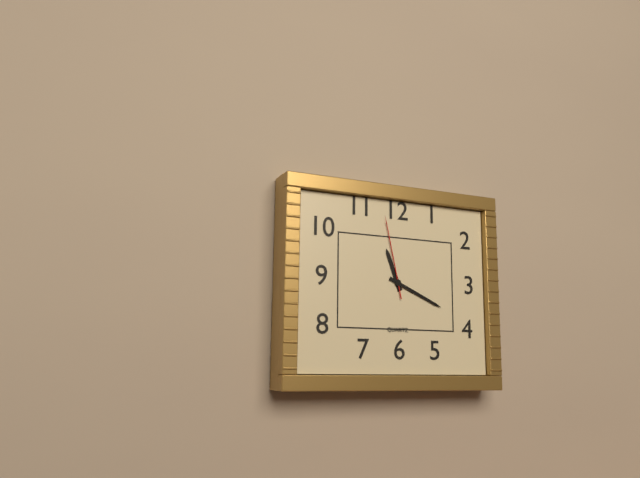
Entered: 11.19.58
